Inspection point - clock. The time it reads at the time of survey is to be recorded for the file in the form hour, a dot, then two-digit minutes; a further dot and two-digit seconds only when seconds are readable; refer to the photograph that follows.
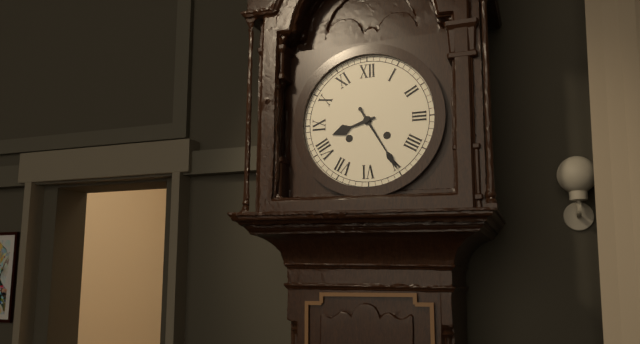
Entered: 8.25
